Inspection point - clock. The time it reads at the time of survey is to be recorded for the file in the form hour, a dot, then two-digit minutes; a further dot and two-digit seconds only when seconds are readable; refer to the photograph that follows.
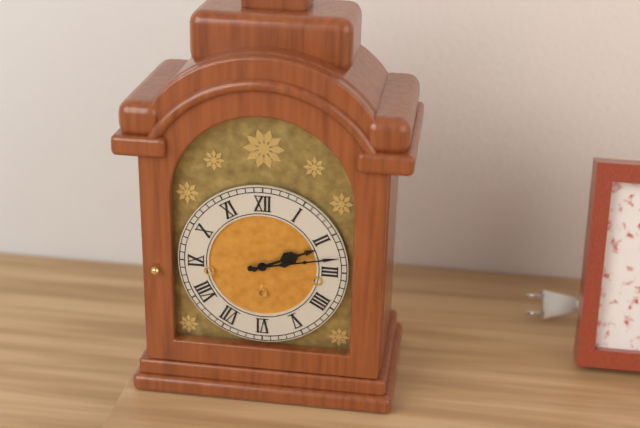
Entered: 2.13
